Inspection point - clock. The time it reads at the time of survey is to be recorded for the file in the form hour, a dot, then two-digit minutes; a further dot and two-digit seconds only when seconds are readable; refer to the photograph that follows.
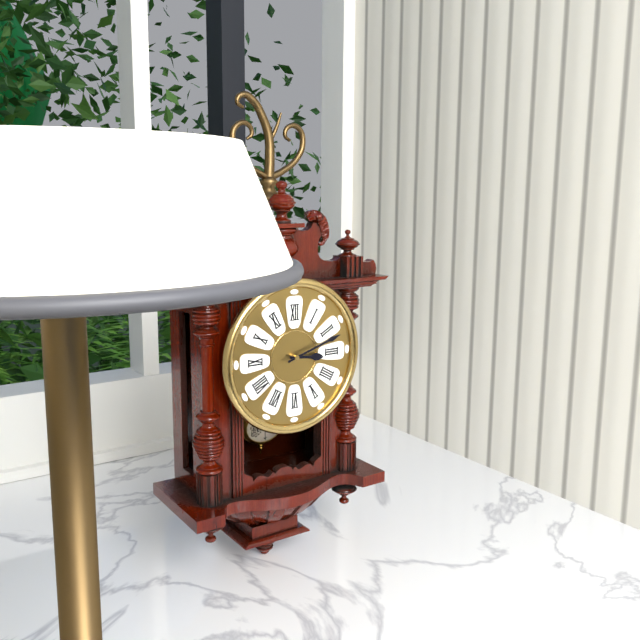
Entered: 3.12
